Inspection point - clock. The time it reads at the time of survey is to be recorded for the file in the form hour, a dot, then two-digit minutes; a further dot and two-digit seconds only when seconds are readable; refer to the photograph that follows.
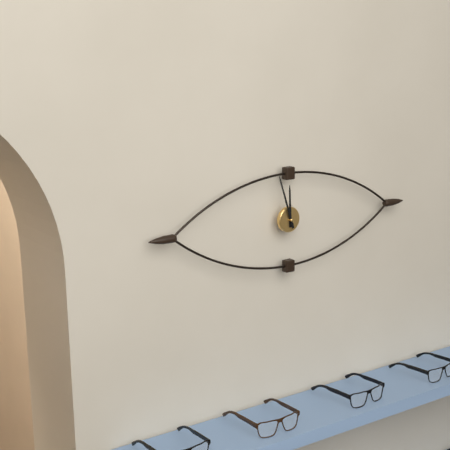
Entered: 11.57
